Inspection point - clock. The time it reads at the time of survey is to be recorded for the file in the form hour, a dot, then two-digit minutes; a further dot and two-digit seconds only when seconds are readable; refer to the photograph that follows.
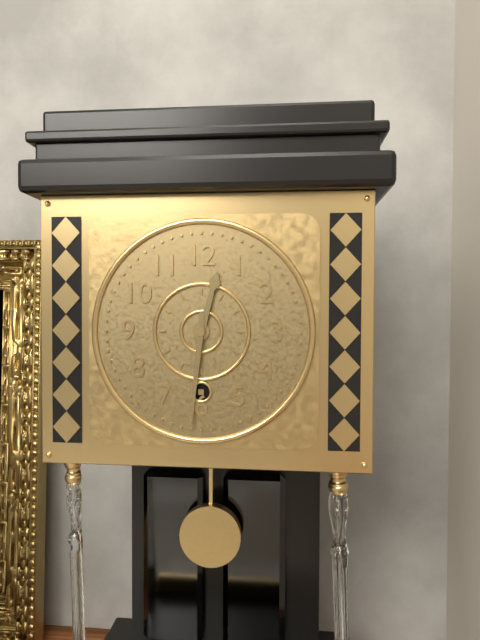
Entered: 12.31
